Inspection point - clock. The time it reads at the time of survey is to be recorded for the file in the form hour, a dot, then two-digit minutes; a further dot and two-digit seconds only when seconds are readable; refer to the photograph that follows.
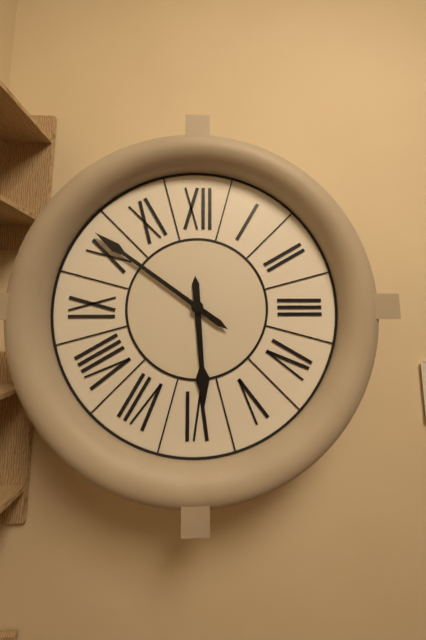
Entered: 5.51
